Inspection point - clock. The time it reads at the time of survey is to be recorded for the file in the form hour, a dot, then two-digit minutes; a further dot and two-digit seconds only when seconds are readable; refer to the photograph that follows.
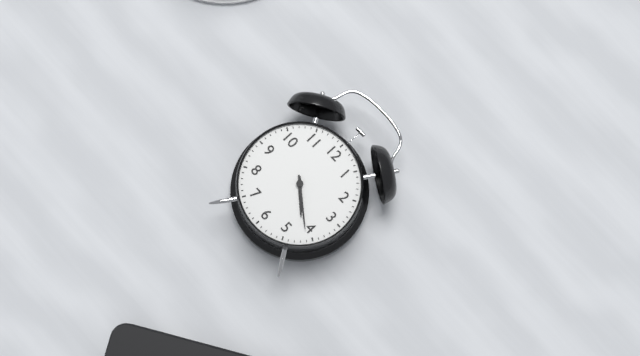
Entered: 4.21
